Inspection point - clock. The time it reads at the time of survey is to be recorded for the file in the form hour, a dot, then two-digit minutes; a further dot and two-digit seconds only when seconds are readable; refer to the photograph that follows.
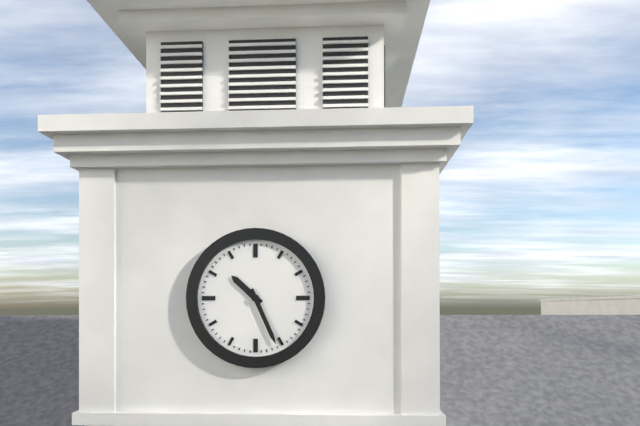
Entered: 10.26
